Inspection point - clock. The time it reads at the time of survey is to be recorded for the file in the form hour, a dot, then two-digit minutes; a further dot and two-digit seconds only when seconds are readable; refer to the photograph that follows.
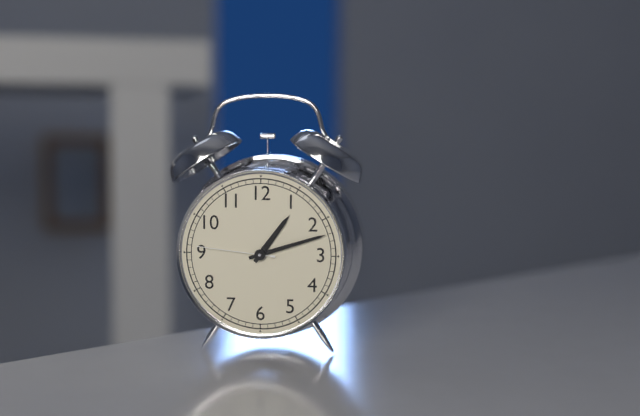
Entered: 1.12.46
